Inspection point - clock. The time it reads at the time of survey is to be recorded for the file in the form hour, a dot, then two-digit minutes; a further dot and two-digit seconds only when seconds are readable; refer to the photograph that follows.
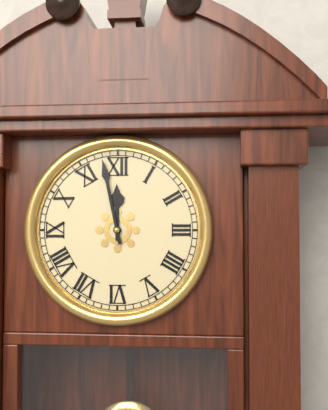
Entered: 11.58
